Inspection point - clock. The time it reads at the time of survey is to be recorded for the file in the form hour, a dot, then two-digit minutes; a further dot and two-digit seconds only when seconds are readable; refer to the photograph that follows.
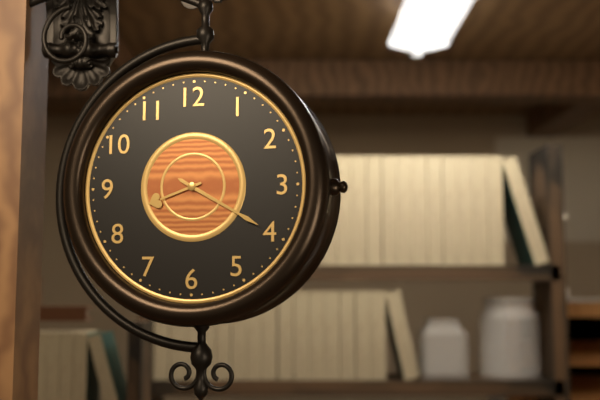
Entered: 8.20
